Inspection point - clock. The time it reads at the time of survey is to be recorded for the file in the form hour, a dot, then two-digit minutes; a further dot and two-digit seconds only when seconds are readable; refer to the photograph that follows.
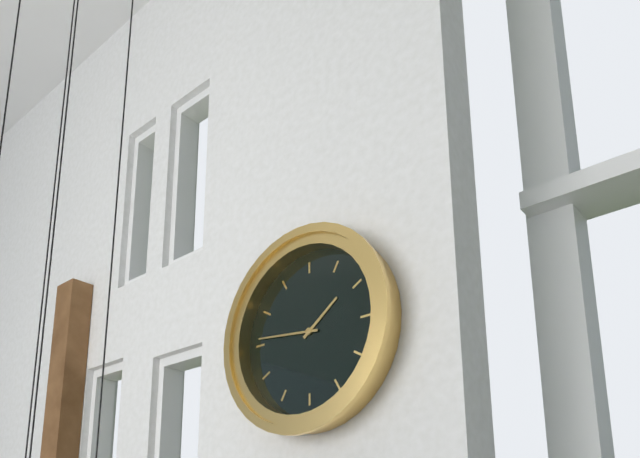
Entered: 1.46
